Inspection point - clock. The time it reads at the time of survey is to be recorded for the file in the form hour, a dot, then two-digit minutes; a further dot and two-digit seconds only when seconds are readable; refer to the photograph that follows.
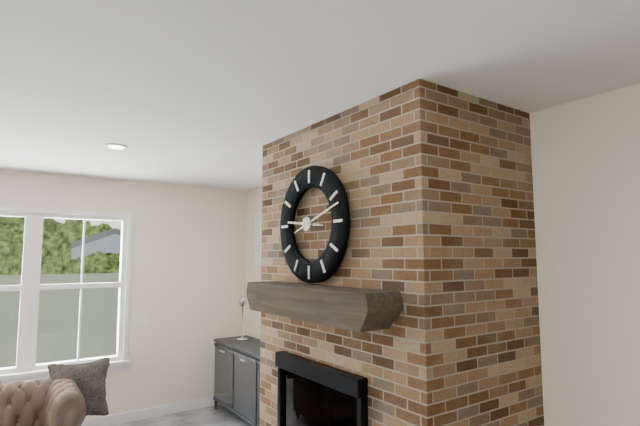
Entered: 9.12
